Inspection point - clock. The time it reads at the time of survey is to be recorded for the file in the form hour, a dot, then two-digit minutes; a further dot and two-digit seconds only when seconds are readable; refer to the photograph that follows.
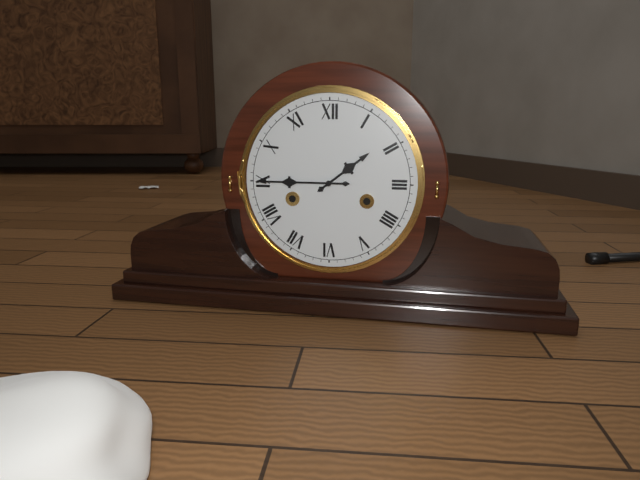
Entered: 1.45
